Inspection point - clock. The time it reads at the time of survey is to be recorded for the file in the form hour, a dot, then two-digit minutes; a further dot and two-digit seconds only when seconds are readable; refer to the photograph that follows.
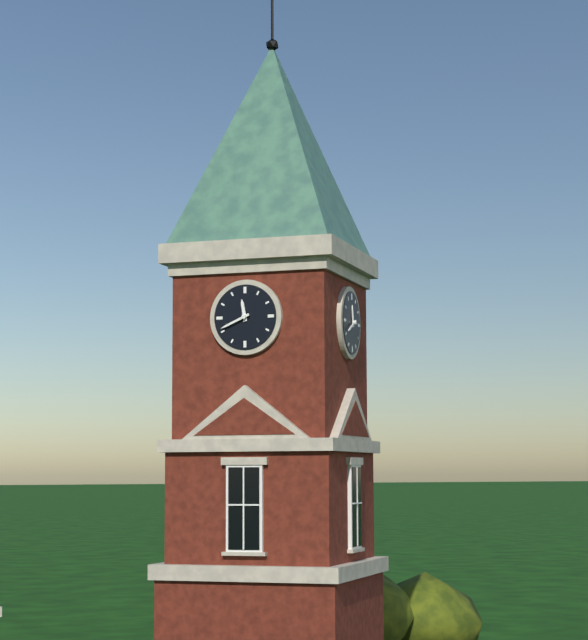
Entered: 11.41
